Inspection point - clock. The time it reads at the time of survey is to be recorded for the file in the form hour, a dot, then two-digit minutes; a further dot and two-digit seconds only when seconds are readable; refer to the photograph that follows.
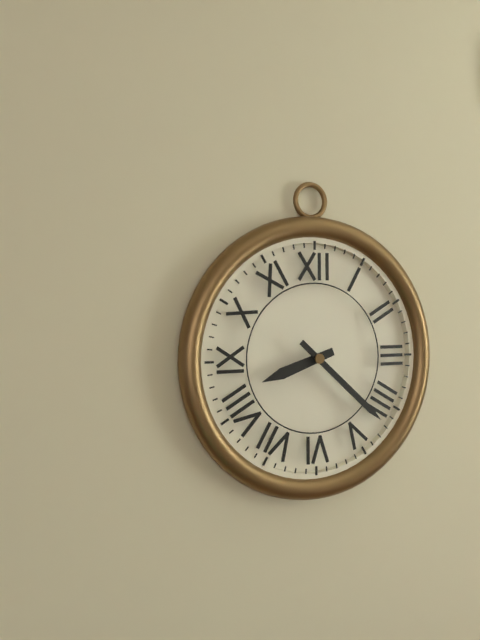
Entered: 8.22
